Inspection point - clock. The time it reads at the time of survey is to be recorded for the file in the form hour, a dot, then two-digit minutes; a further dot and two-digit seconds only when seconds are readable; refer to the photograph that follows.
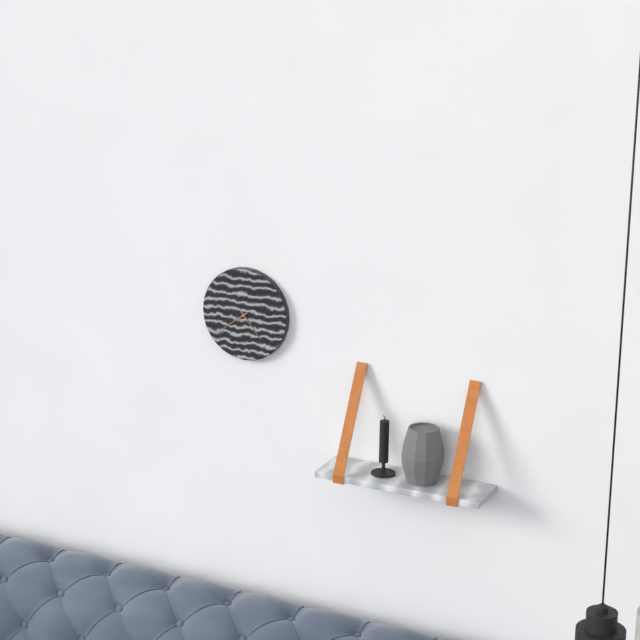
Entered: 4.39
